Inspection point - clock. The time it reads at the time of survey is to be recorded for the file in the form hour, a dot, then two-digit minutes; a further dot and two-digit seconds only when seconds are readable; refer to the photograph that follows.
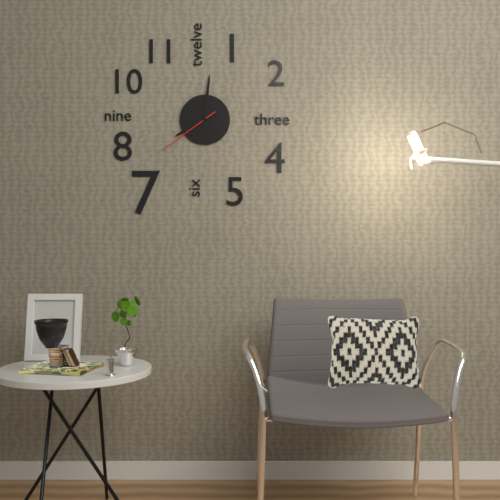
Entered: 8.01.39
